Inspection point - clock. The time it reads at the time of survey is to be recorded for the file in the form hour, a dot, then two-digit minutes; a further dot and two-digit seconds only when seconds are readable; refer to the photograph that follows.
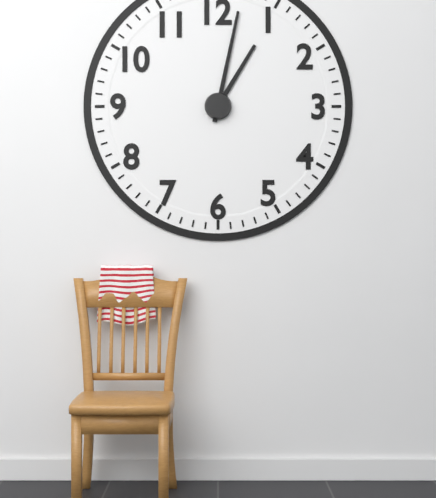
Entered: 1.02
